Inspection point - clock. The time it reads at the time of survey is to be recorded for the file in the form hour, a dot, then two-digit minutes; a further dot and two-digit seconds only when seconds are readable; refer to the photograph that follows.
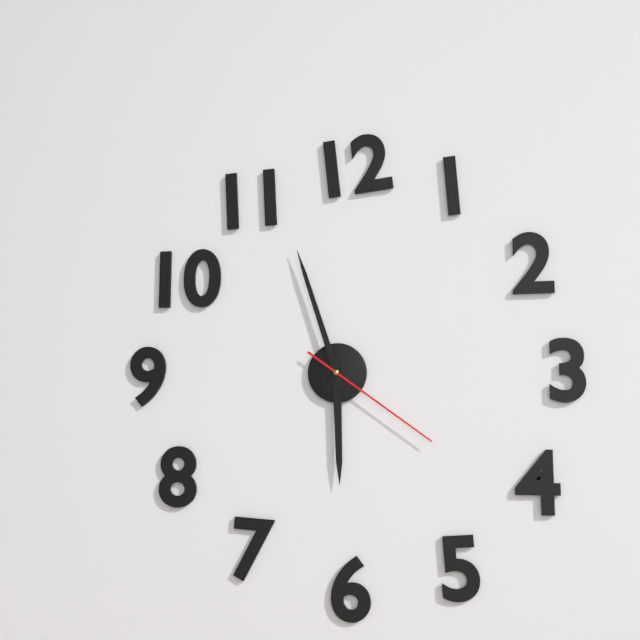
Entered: 5.57.21
